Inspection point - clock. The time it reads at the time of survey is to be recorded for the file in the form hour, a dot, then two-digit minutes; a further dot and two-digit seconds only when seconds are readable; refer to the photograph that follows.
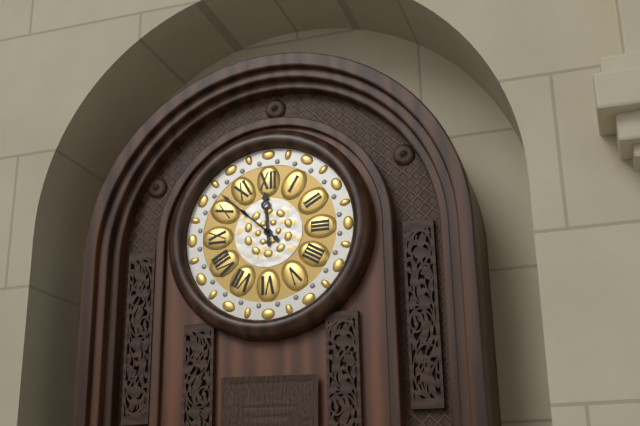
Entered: 11.52
